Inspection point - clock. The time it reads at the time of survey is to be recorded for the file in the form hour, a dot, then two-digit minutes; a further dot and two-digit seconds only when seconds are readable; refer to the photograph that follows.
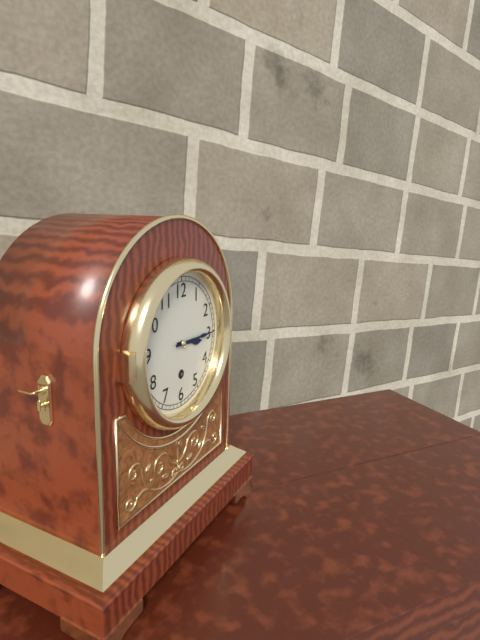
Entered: 3.15
